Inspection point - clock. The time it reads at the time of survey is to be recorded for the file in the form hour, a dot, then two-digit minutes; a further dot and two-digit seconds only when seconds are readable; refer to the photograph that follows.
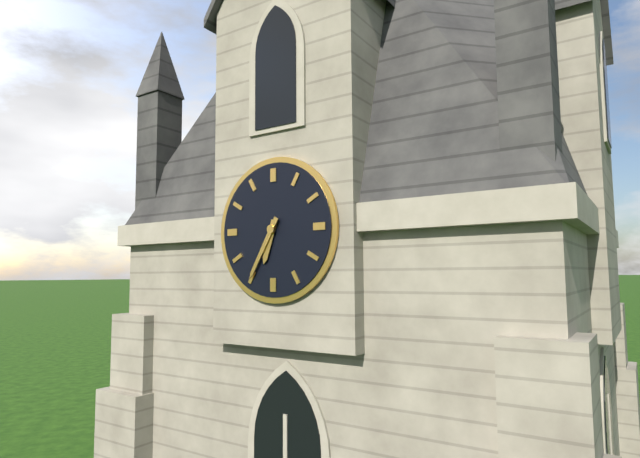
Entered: 6.35
